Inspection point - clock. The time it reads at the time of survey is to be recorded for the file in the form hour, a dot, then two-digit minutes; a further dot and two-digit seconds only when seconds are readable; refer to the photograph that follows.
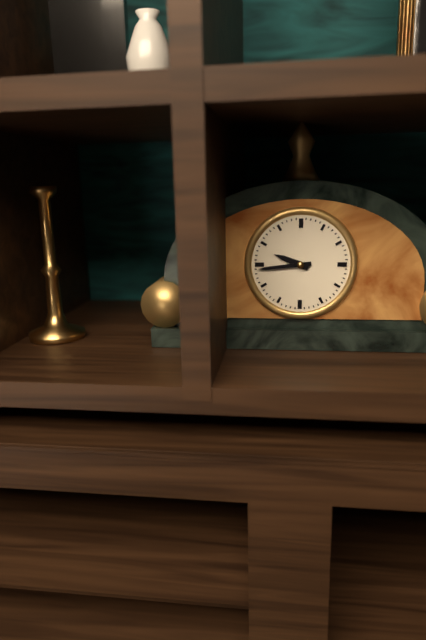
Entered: 9.44
